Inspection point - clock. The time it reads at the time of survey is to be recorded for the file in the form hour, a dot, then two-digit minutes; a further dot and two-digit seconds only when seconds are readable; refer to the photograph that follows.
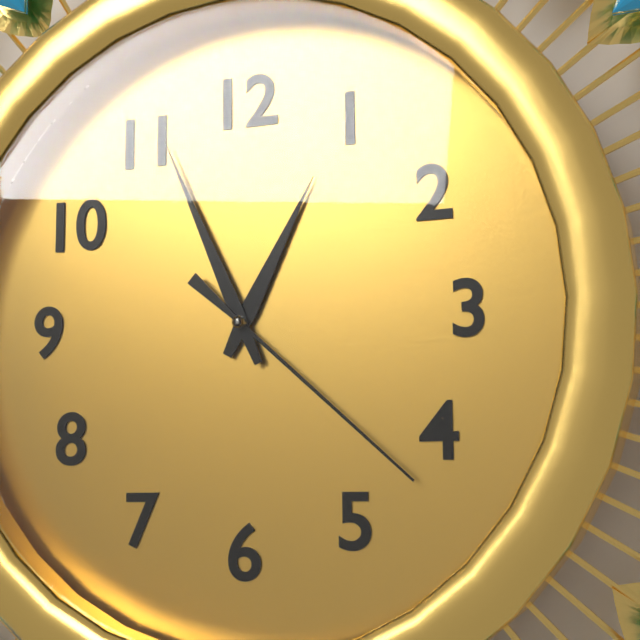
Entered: 12.56.22
